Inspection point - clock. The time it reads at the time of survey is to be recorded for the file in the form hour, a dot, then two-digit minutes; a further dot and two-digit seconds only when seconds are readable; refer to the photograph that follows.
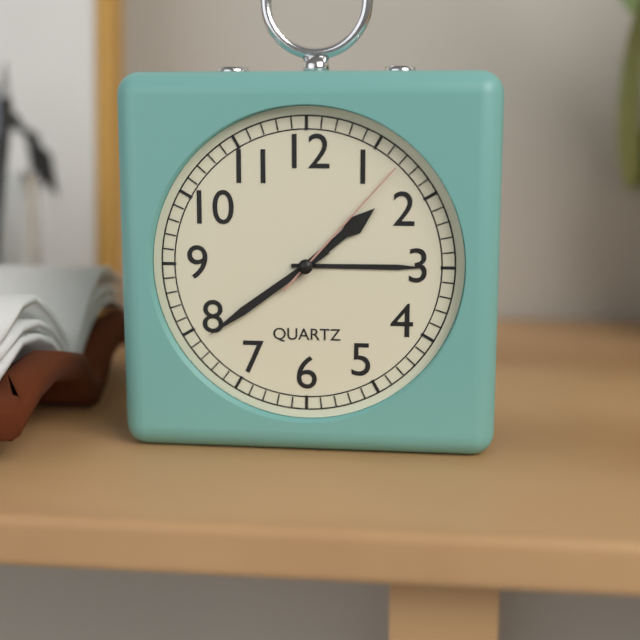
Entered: 1.39.07
